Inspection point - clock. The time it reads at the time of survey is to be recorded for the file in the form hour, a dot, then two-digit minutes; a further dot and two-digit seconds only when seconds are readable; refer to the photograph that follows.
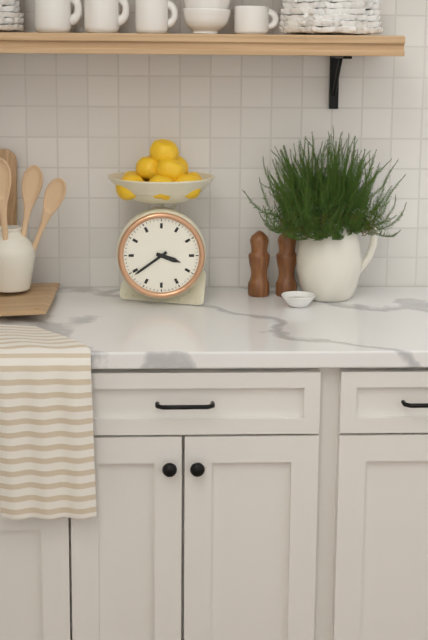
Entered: 3.39
